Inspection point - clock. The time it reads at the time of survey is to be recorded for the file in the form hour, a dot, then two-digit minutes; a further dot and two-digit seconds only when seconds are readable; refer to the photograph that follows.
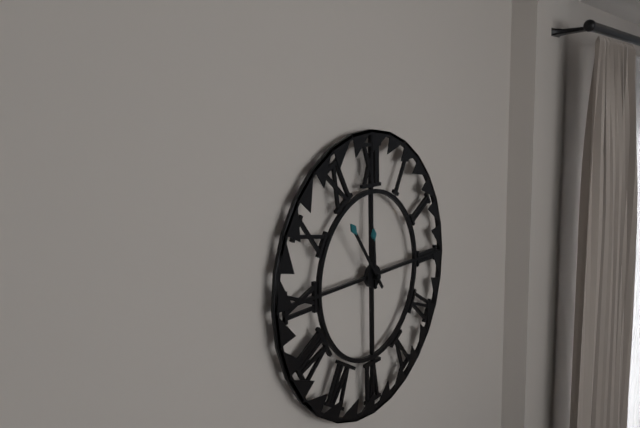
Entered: 11.54
